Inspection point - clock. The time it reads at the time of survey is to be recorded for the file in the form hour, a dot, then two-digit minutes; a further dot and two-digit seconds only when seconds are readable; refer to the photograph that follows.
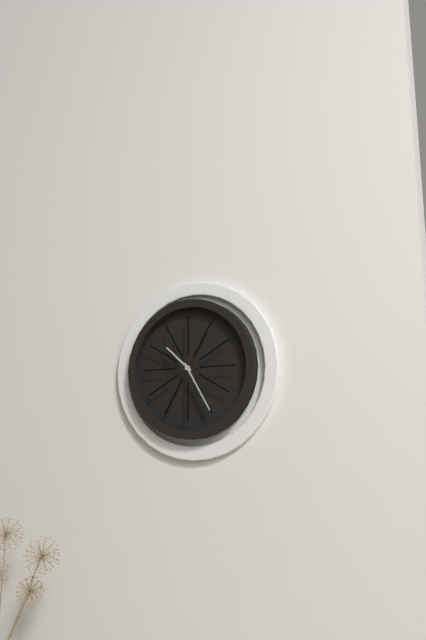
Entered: 10.25
